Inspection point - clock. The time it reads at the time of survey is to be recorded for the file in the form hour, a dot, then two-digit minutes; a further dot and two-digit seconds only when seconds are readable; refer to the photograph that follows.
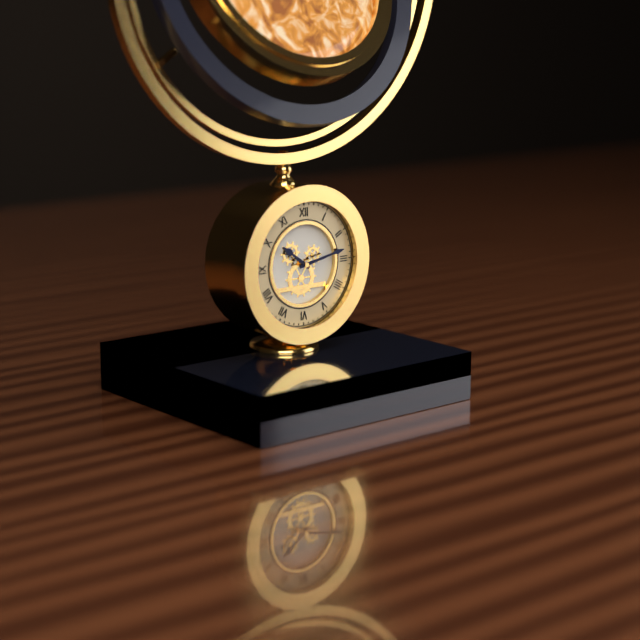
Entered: 10.13
